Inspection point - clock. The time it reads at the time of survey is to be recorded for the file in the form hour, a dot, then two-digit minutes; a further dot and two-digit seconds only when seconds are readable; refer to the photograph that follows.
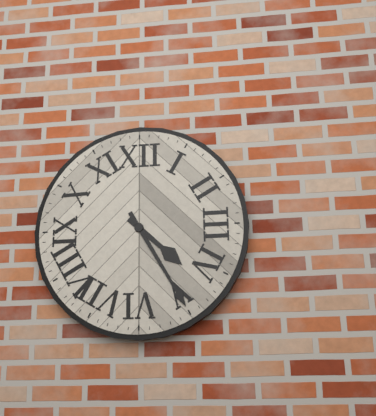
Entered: 4.25
